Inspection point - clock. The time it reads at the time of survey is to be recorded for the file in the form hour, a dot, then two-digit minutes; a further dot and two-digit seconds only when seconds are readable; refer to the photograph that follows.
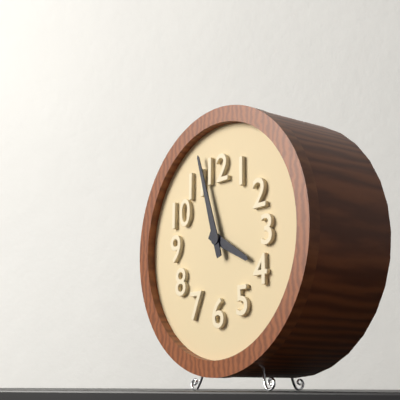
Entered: 3.57
